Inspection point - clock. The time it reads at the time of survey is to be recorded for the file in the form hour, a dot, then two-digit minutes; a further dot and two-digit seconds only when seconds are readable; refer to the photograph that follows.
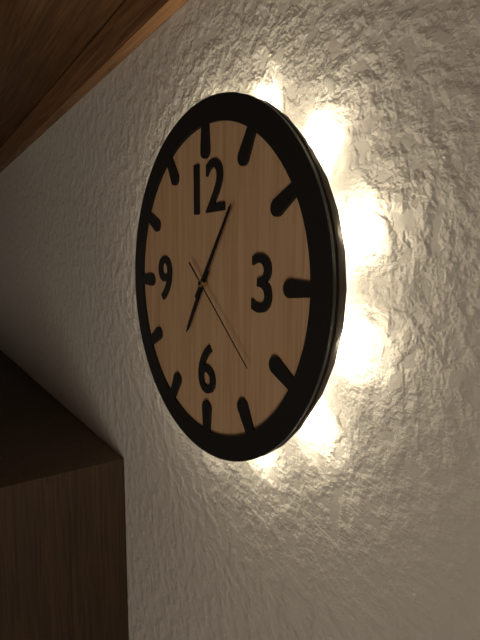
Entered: 7.06.22
